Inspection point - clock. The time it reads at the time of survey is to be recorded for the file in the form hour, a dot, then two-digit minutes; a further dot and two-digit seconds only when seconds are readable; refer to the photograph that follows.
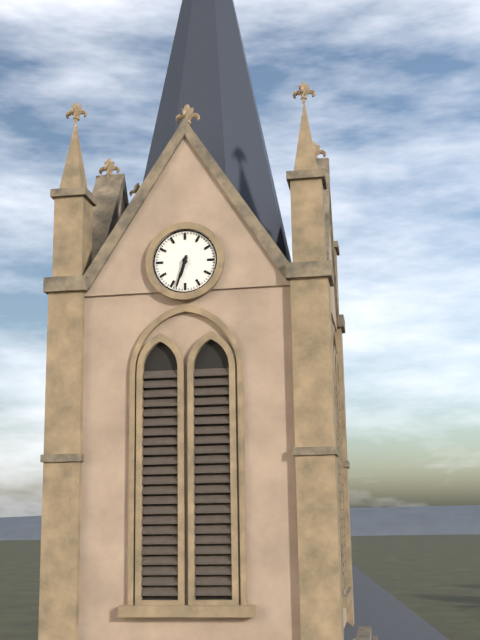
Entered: 6.33
